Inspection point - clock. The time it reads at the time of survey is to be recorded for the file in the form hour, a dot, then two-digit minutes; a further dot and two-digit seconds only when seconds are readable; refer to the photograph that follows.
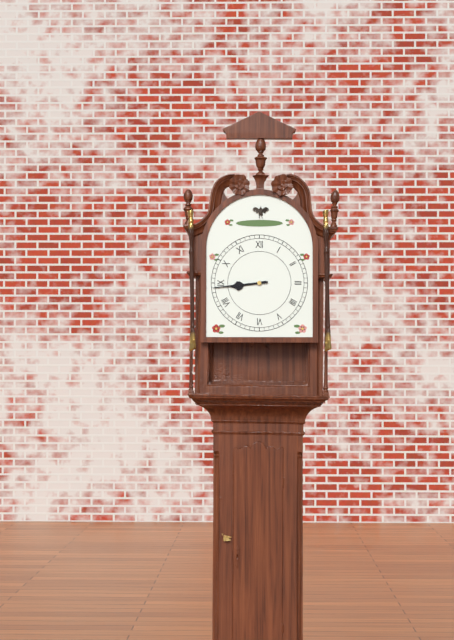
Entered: 8.44
